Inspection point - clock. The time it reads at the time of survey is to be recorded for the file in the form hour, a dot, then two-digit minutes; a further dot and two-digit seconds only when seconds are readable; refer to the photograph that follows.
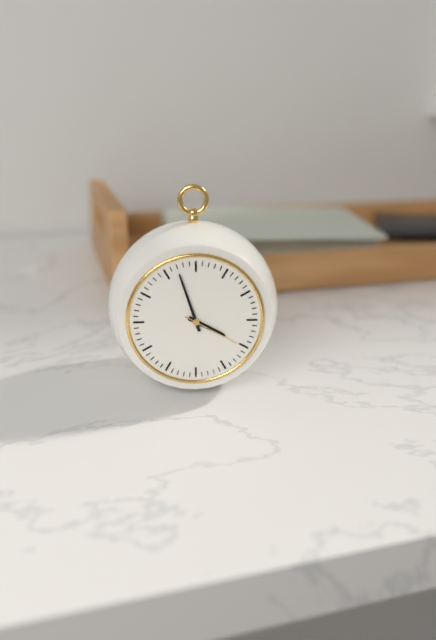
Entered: 3.57.20
